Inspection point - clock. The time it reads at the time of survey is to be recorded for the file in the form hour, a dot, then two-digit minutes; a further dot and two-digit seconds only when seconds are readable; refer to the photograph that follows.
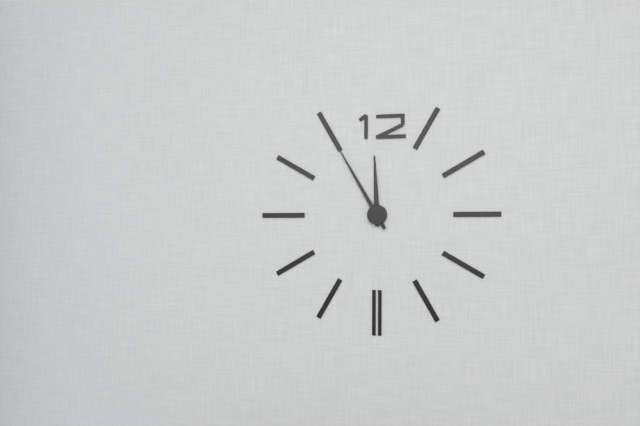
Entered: 11.55
